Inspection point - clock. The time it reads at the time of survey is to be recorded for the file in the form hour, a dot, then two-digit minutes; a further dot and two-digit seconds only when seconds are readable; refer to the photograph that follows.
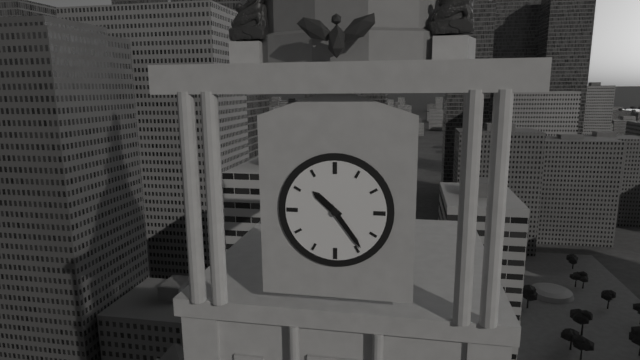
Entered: 10.24
